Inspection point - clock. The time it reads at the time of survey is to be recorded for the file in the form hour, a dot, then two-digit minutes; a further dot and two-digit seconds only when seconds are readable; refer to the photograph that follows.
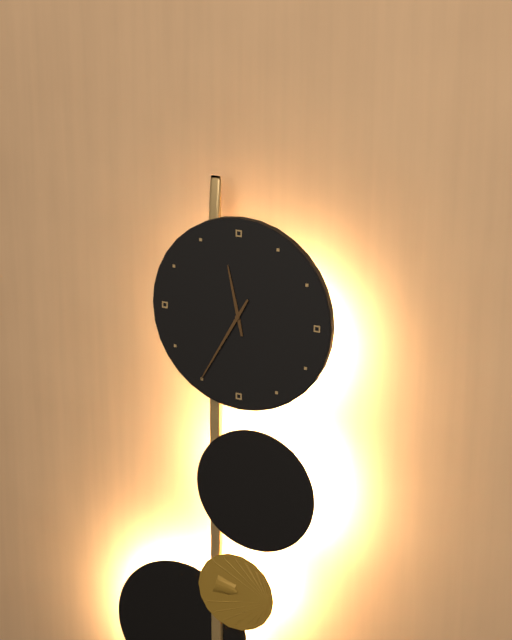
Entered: 11.35
